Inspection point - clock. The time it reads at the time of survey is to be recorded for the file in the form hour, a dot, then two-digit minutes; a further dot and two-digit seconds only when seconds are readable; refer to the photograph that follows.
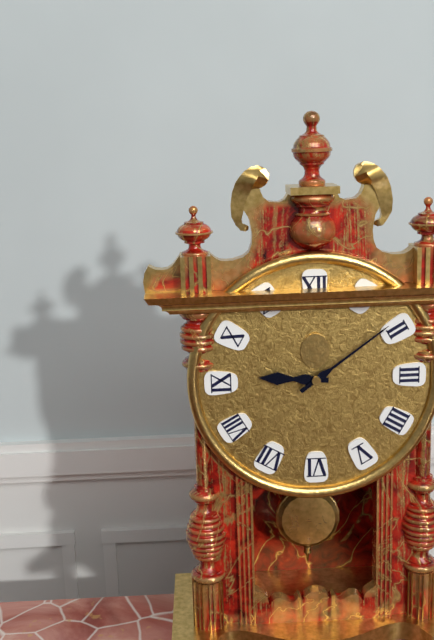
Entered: 9.09
